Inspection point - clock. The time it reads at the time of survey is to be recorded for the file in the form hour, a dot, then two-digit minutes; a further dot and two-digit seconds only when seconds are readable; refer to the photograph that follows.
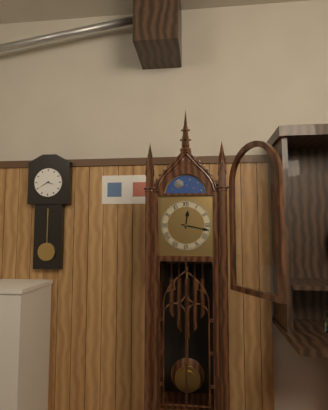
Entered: 12.17
